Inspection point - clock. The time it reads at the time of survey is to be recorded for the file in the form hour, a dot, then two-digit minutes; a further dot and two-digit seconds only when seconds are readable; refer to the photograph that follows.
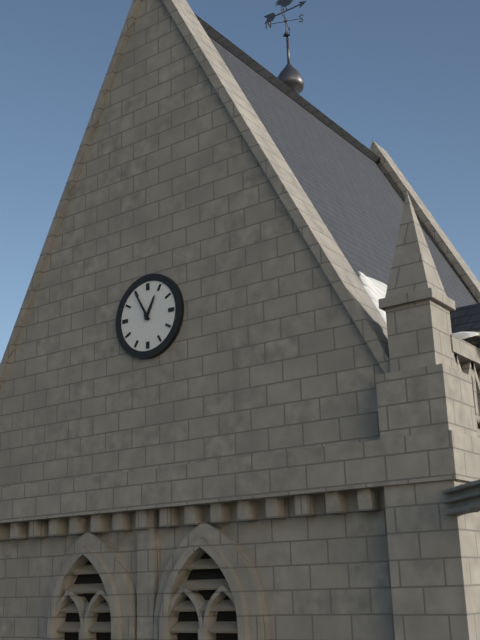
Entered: 12.55
